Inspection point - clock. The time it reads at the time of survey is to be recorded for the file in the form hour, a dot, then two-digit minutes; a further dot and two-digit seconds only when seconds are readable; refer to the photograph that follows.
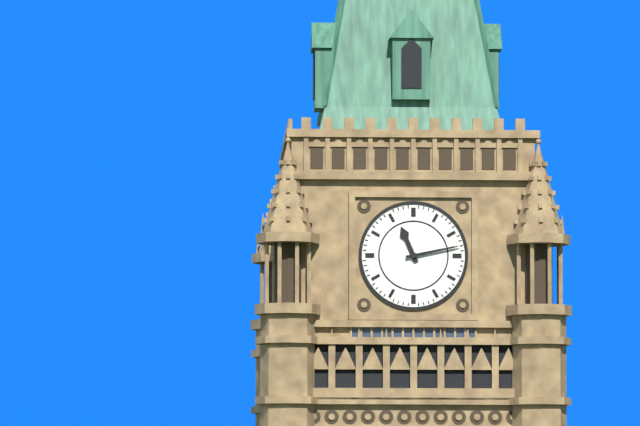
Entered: 11.13
